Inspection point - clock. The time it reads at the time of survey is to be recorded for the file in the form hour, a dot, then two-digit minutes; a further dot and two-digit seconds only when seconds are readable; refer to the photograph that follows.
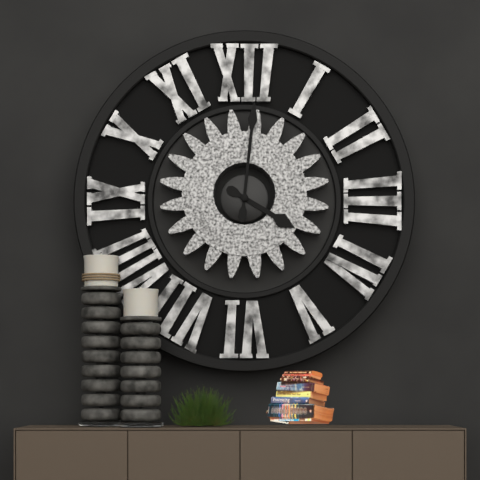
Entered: 4.01
